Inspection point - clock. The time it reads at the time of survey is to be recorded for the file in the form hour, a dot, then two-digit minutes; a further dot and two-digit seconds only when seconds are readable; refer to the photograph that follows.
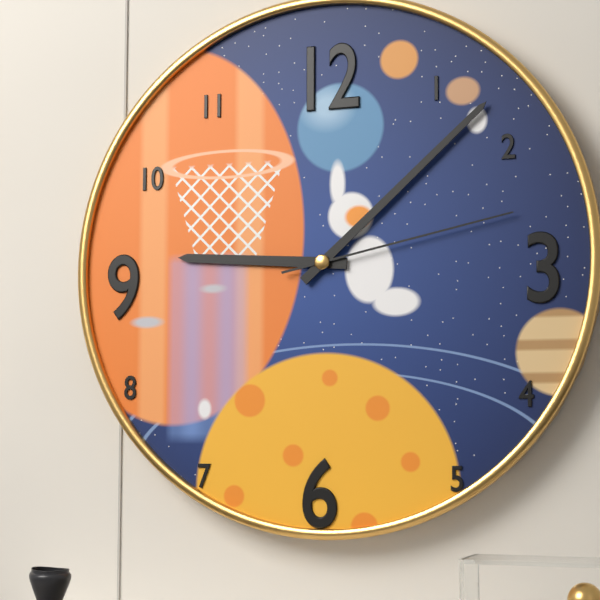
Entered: 9.08.13
